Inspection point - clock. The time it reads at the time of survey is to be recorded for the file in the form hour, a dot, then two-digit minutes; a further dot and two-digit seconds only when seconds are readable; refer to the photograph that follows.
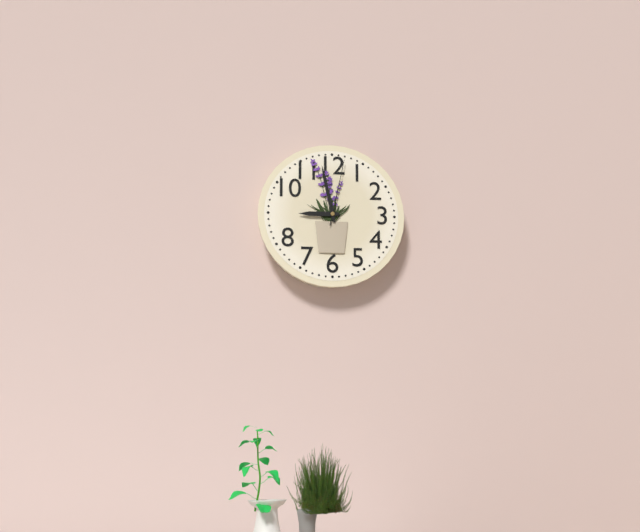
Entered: 8.58.02
